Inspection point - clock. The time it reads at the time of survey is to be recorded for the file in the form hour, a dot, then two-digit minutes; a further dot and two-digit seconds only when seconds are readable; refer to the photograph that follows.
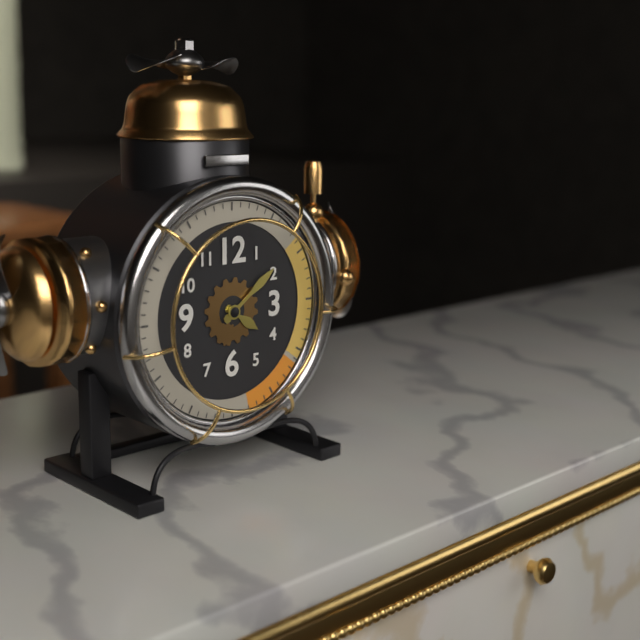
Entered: 4.09
